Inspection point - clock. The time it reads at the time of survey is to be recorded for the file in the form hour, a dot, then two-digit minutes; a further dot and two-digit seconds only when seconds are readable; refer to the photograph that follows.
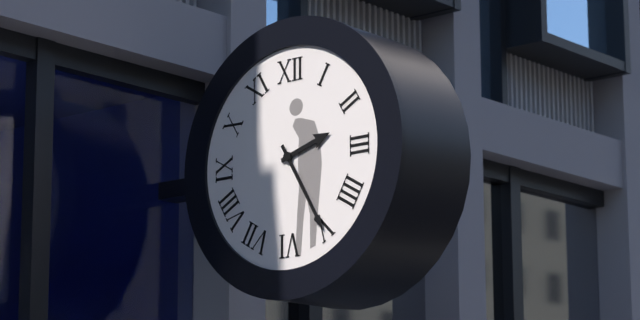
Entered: 2.25
